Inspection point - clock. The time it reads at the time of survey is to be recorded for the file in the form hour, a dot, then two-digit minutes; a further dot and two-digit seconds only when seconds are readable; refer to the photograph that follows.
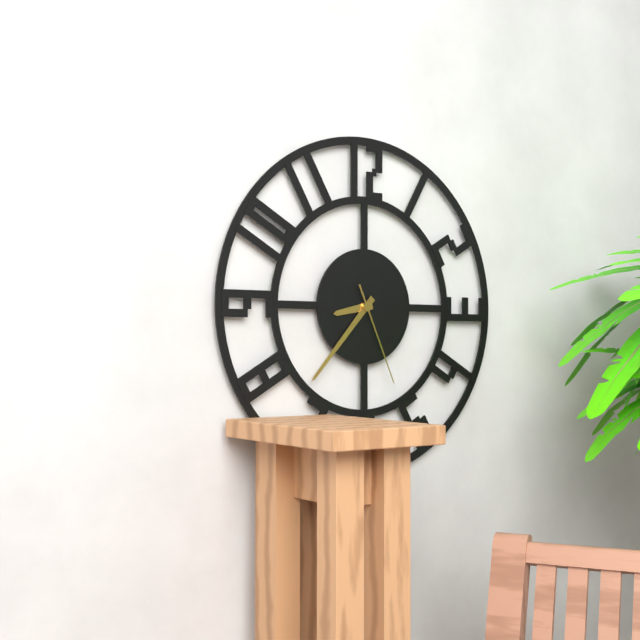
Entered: 8.37.26
